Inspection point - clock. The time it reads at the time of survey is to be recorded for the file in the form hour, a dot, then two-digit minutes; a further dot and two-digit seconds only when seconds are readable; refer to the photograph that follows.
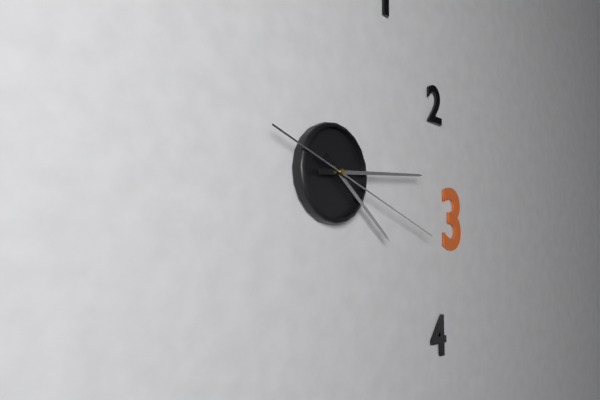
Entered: 4.14.18
